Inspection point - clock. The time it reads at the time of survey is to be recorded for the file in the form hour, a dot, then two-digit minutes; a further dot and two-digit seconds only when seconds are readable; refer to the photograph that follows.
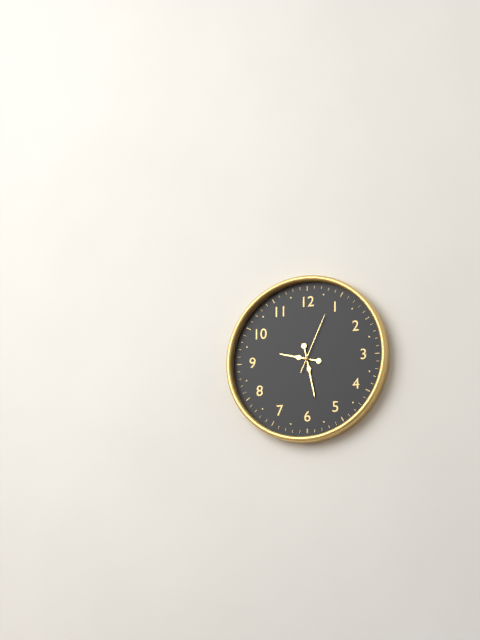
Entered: 9.28.04
